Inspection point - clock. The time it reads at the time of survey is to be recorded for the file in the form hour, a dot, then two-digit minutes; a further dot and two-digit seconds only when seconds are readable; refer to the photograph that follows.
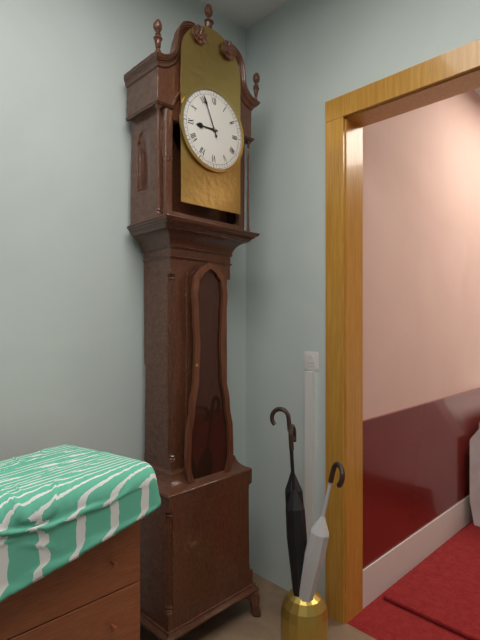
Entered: 8.56
